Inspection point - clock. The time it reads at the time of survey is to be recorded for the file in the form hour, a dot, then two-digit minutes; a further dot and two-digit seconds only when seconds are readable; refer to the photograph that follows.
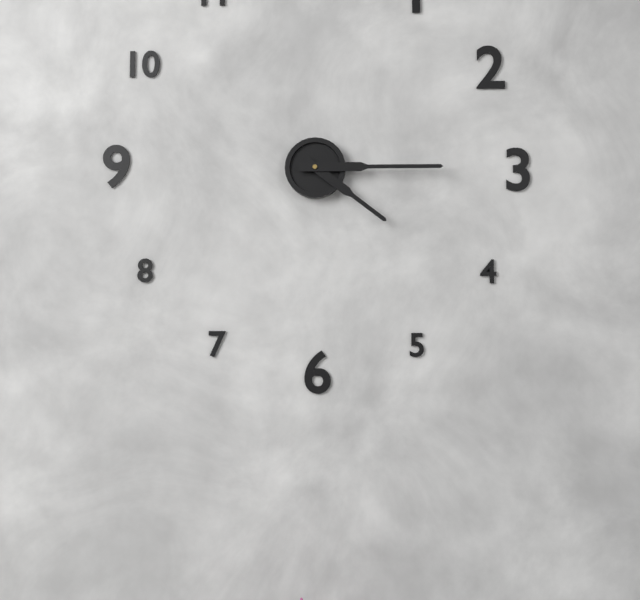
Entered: 4.15
